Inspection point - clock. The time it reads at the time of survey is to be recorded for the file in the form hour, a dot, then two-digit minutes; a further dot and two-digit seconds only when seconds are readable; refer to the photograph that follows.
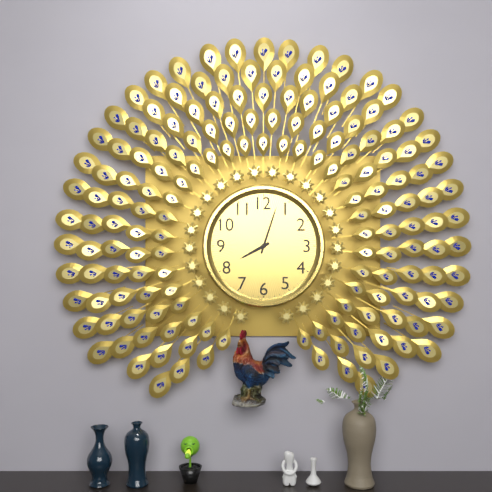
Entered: 8.03
